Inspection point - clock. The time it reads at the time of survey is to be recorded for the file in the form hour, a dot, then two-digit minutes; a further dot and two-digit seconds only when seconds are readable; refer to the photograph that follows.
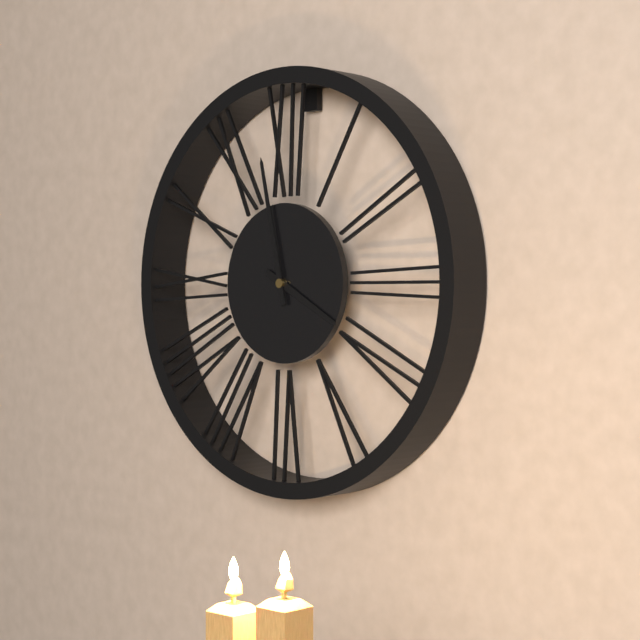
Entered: 3.58
